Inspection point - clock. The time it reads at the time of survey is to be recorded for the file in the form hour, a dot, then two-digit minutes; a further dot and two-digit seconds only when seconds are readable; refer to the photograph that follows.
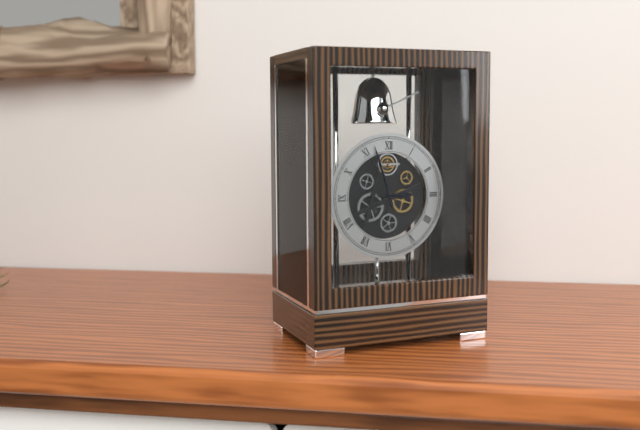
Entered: 2.57
